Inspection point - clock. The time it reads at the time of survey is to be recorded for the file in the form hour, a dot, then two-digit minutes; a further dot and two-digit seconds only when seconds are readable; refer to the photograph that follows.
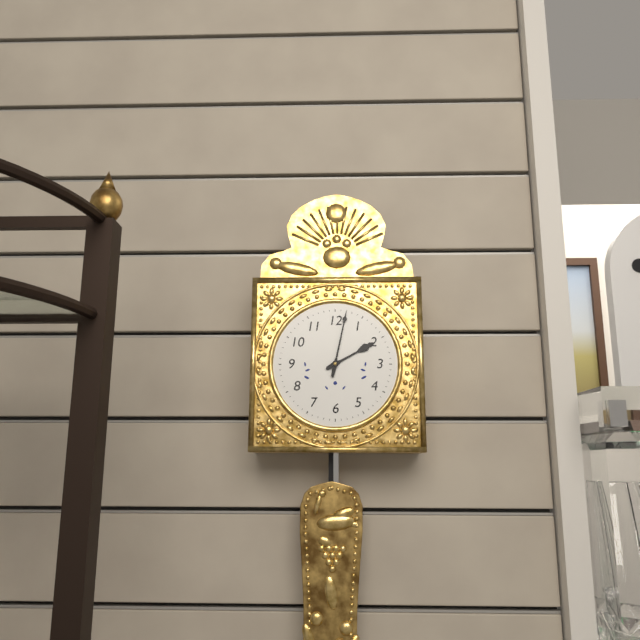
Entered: 2.02
